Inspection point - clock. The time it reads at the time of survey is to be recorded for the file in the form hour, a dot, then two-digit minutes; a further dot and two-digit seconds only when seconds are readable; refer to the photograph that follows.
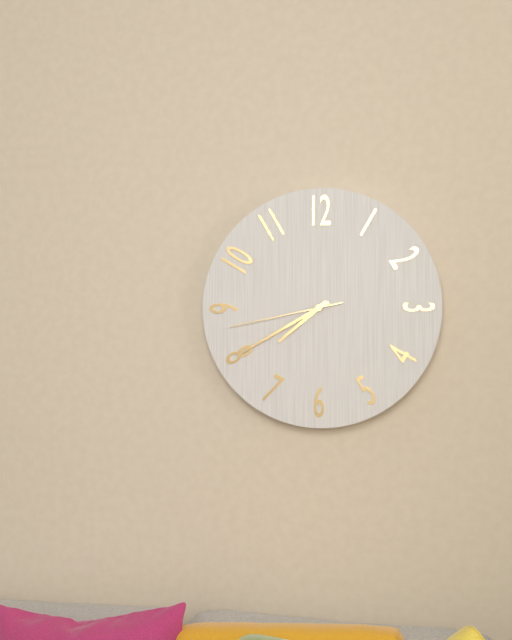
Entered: 7.40.43
